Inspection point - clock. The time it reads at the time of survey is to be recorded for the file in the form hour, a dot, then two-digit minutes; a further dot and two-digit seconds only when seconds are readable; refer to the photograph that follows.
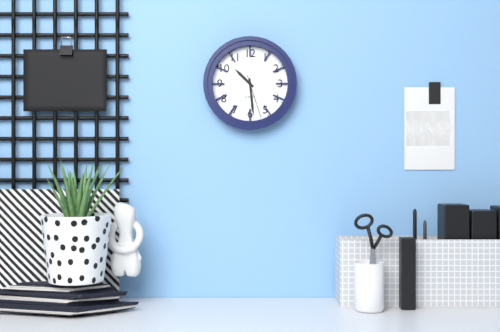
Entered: 10.29
